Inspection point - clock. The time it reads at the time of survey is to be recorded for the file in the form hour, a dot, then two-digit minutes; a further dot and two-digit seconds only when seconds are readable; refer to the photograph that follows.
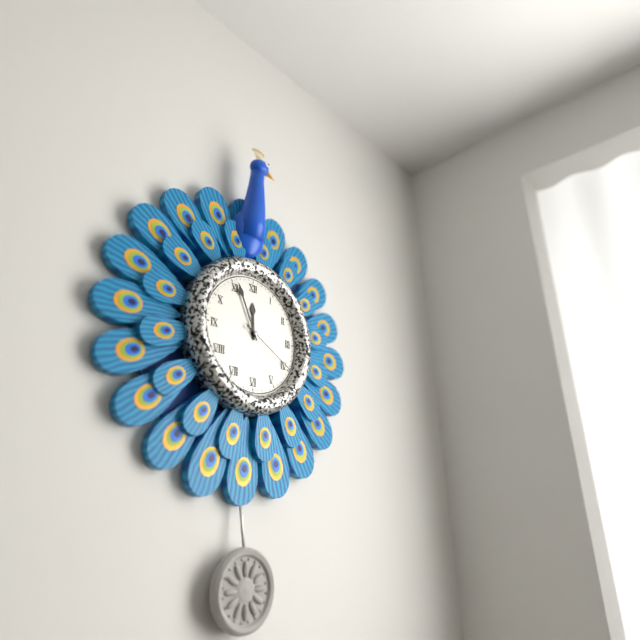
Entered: 11.56.20
